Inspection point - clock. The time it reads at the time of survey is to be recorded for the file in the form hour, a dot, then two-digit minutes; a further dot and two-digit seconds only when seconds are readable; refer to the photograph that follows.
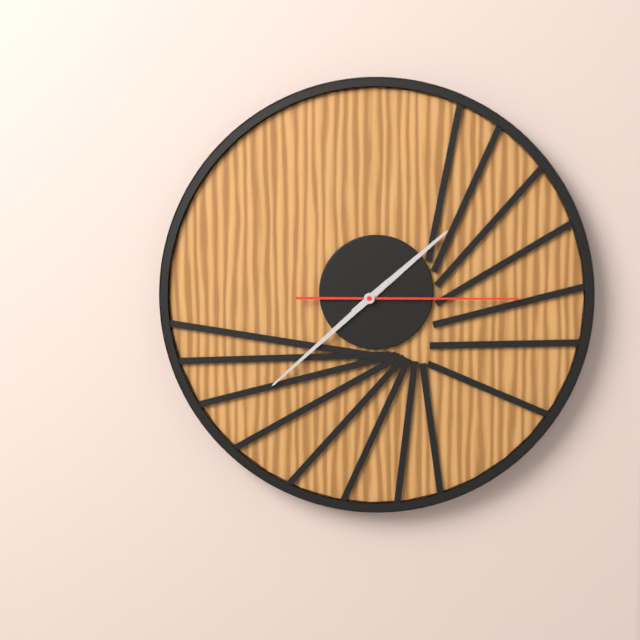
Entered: 1.38.15
